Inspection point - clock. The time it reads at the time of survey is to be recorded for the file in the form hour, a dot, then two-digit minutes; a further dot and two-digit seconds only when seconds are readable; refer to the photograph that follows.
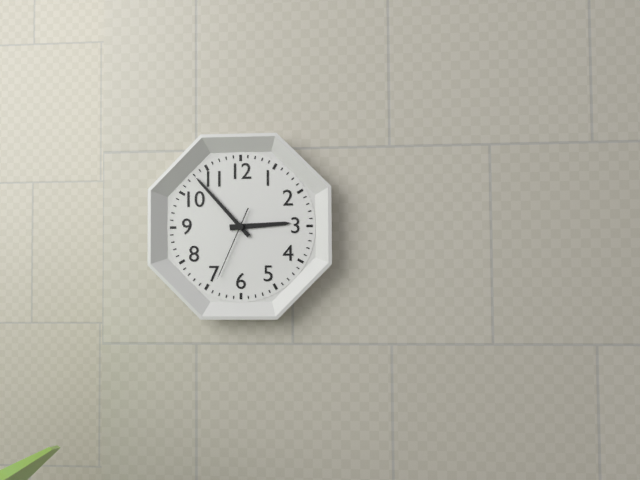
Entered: 2.53.34
